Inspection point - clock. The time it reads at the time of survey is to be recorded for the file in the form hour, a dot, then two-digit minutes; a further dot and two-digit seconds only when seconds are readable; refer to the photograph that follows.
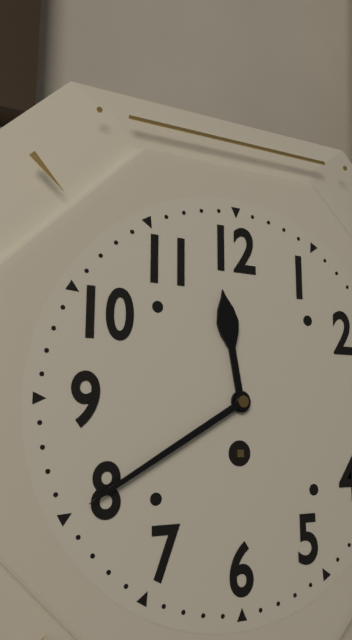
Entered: 11.40
